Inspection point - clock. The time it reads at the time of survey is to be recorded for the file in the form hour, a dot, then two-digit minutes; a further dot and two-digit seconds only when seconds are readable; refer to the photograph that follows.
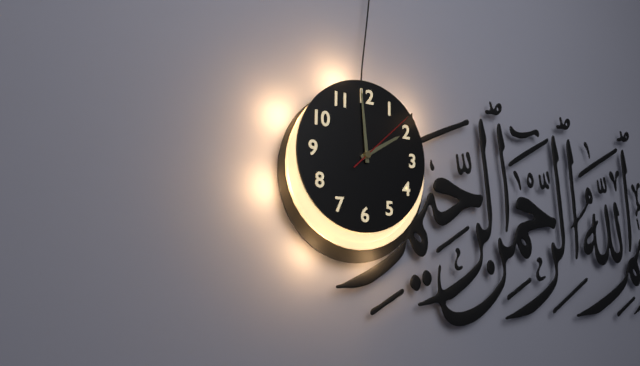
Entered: 1.59.08
